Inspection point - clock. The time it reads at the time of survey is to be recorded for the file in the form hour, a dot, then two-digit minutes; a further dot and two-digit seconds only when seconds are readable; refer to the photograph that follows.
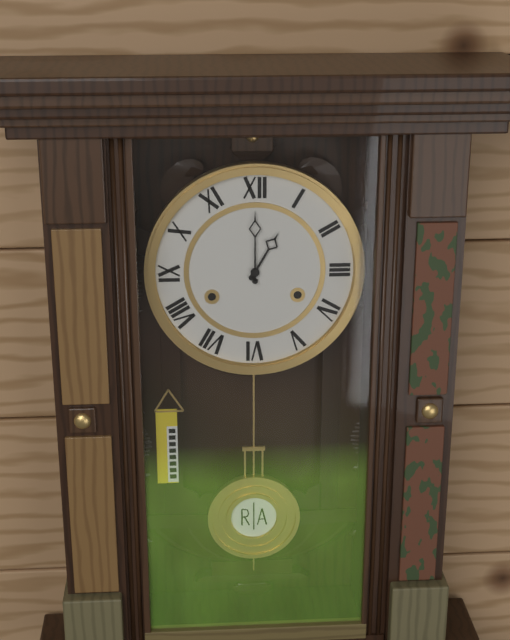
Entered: 1.00
